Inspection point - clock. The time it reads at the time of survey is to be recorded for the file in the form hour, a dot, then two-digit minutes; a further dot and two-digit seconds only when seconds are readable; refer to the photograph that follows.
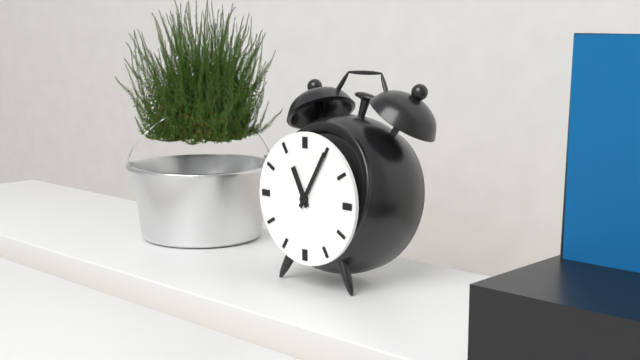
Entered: 11.05
